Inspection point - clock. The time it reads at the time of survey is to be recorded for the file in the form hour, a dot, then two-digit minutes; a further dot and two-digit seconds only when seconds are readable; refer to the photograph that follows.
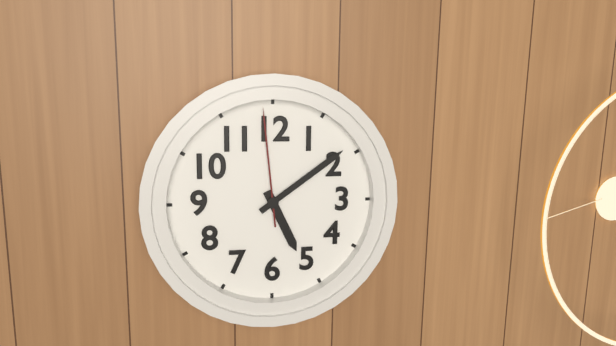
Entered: 5.09.59
